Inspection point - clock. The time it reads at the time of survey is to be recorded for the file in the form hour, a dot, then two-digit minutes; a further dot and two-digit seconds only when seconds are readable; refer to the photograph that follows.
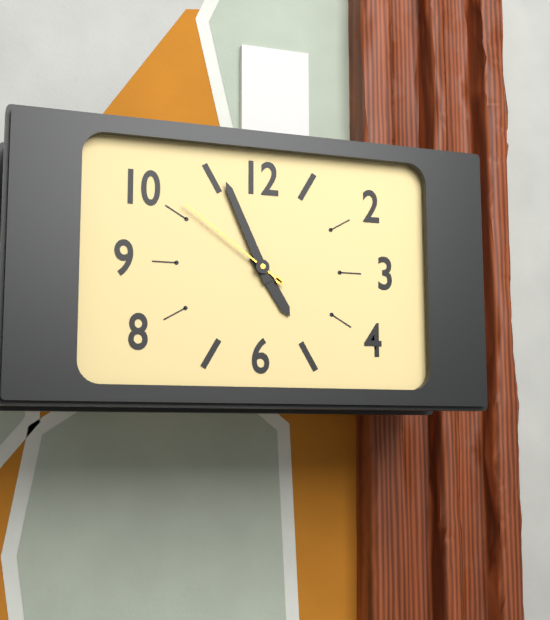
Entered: 4.56.51
